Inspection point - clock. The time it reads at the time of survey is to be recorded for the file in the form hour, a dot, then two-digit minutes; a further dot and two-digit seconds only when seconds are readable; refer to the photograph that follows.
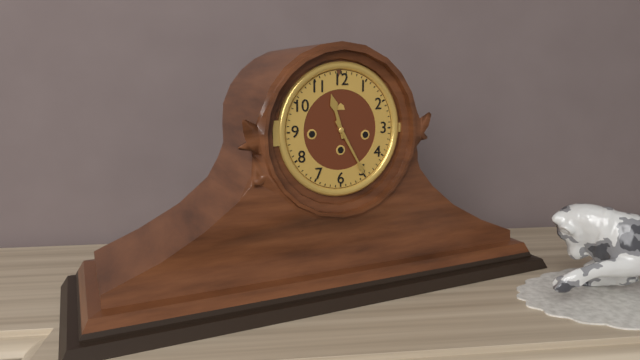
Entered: 11.25
